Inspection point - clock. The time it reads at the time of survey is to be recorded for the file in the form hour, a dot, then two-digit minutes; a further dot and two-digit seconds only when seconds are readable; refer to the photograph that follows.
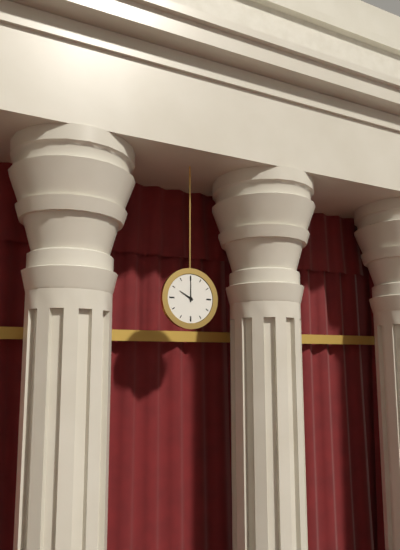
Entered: 10.00
